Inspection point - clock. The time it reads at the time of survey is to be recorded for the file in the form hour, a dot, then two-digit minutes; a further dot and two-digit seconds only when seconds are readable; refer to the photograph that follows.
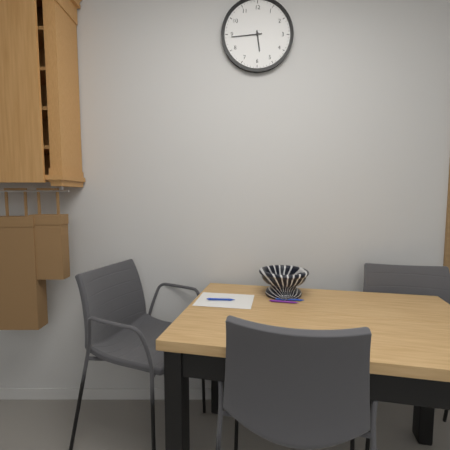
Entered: 5.44
